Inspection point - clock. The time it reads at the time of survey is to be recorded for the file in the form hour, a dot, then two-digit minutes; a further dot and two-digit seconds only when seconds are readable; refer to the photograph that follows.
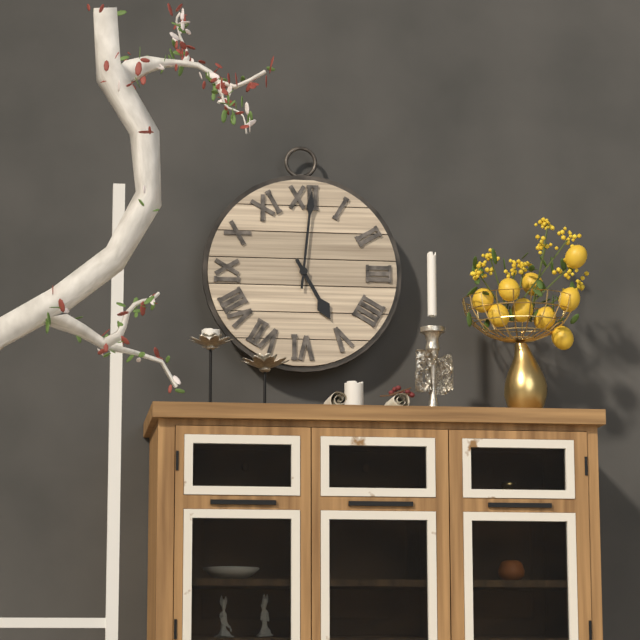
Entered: 5.01
